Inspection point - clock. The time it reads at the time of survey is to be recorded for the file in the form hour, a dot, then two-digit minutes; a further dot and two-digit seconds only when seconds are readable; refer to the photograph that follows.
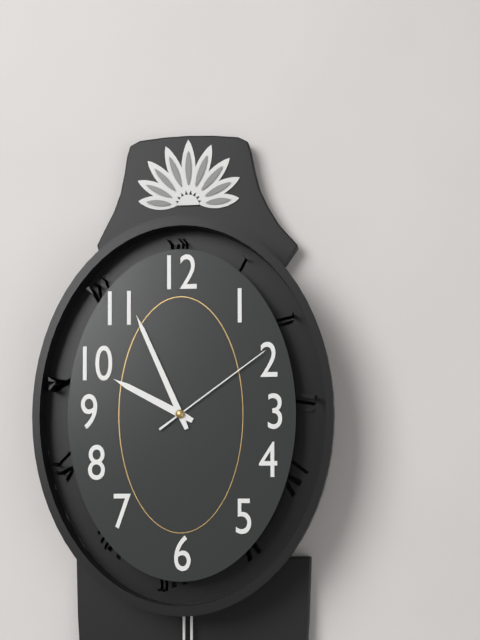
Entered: 9.56.09
